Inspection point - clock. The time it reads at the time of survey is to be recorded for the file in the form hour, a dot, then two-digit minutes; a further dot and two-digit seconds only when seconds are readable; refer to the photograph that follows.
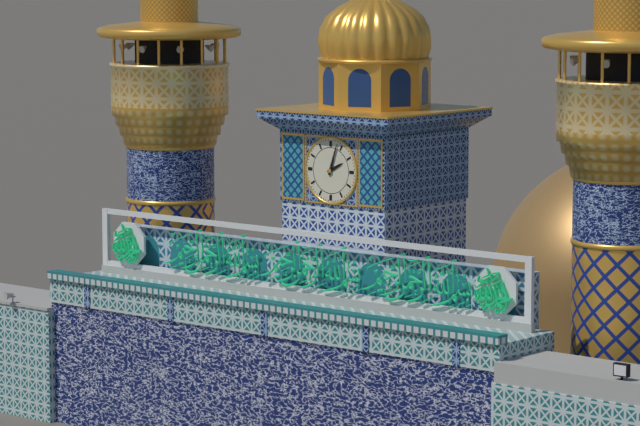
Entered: 2.03
